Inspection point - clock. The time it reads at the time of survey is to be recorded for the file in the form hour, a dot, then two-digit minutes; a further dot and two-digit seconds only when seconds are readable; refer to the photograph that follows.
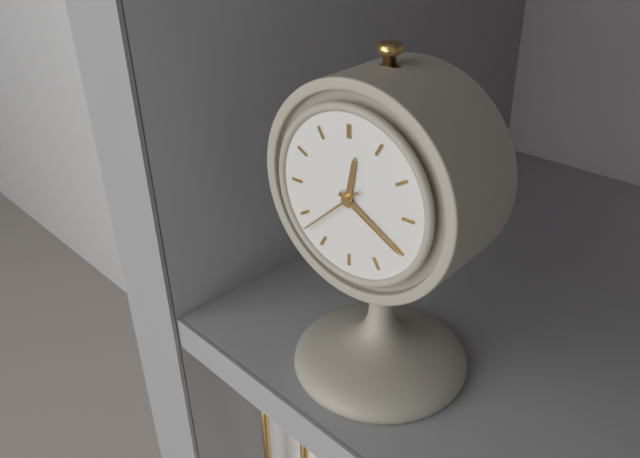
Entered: 12.20.38
